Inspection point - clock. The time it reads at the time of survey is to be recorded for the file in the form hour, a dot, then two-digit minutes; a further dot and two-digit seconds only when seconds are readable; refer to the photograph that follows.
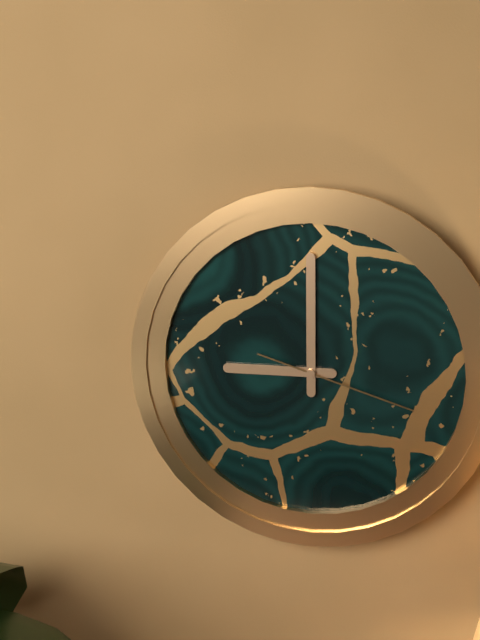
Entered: 9.00.18
